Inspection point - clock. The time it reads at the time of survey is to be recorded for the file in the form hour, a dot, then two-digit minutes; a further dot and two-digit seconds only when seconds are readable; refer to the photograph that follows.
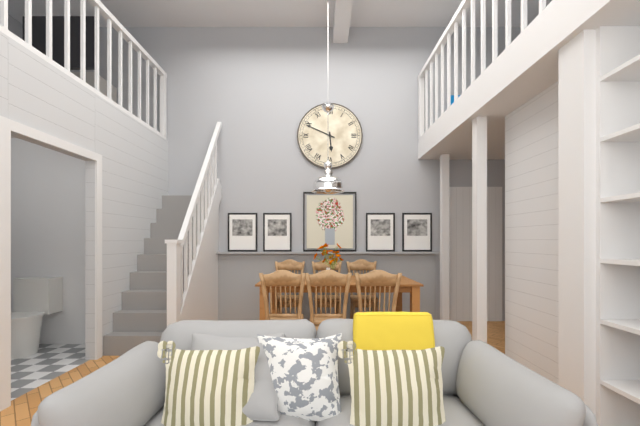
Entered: 5.49
